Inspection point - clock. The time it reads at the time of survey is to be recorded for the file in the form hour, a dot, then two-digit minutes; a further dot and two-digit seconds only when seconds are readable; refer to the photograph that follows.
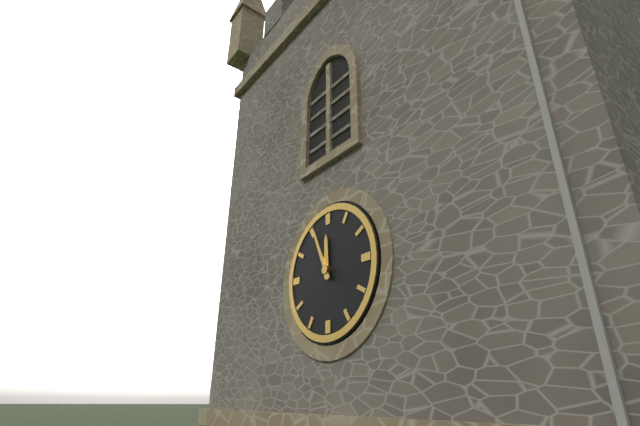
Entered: 11.56
